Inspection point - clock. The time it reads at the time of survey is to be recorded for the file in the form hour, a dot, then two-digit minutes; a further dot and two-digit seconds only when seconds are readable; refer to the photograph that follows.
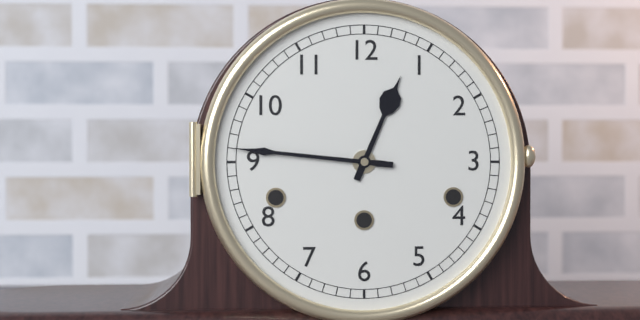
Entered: 12.46
